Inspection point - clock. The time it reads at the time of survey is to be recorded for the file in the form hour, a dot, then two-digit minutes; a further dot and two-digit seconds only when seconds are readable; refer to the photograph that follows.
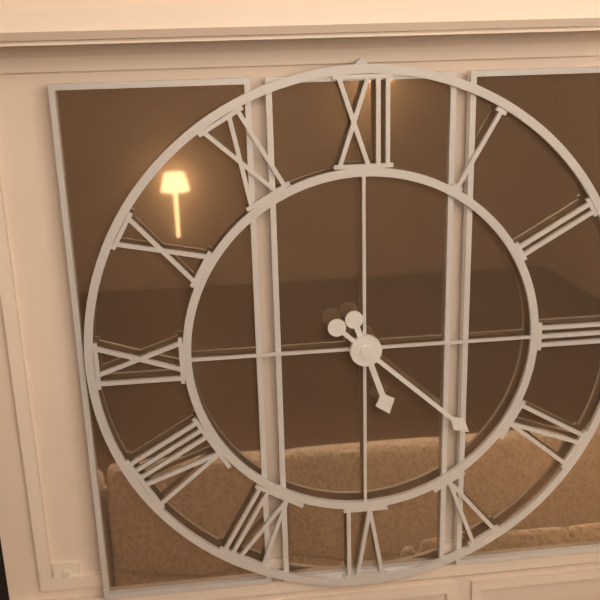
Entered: 5.22
